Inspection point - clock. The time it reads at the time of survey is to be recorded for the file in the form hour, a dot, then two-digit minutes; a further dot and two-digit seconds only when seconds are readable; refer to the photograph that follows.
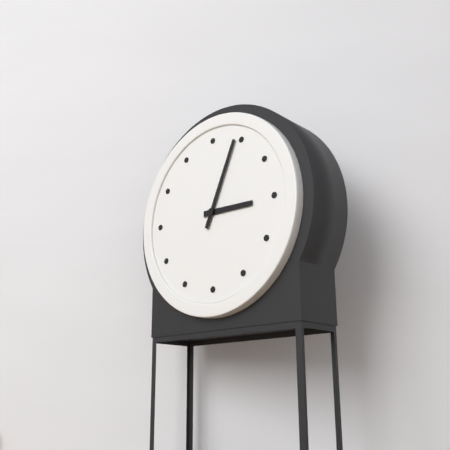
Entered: 3.04
